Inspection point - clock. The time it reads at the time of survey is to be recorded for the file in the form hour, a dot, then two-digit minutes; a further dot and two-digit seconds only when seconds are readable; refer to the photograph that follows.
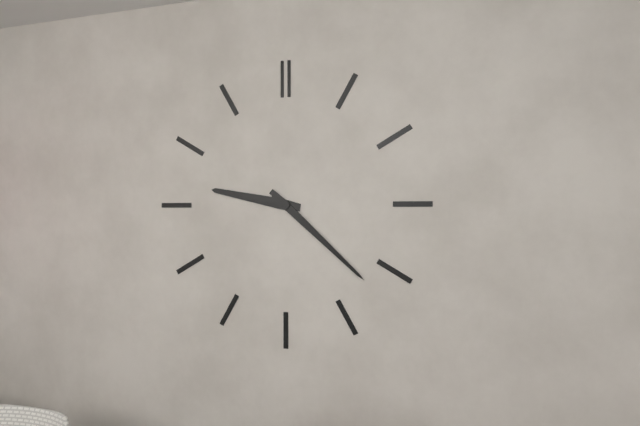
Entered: 9.22
